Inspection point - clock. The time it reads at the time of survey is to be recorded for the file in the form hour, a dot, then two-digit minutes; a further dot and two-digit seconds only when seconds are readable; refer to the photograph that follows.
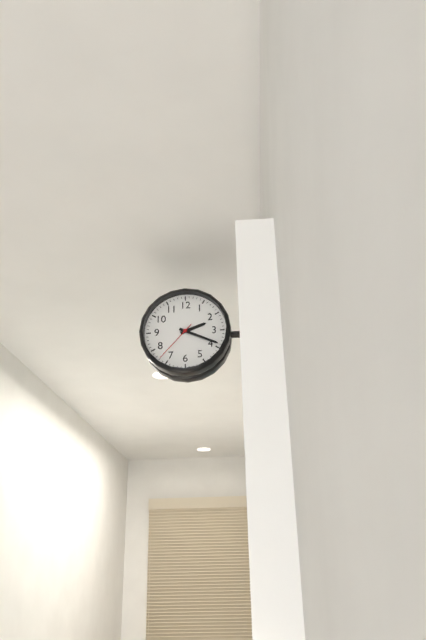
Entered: 2.19
